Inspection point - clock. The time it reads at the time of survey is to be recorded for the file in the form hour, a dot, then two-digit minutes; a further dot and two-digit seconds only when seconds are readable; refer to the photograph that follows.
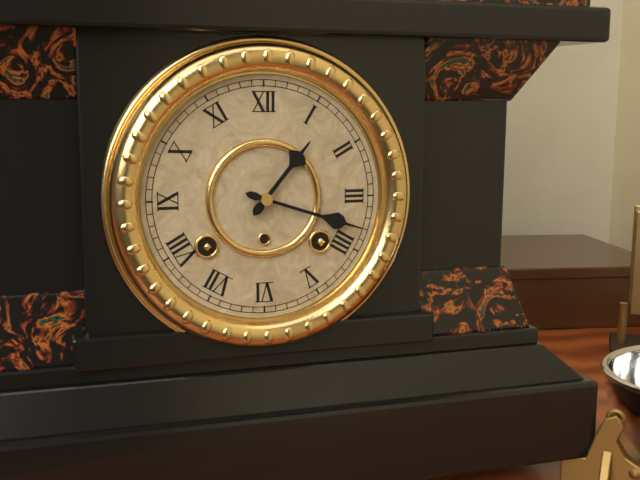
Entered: 1.18
